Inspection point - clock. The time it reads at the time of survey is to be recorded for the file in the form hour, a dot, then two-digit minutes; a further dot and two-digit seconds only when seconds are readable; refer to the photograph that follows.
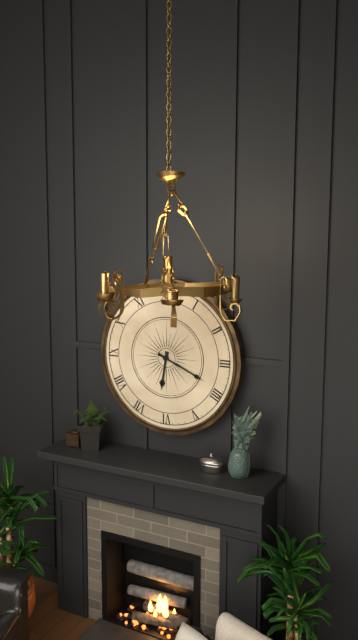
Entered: 6.19
